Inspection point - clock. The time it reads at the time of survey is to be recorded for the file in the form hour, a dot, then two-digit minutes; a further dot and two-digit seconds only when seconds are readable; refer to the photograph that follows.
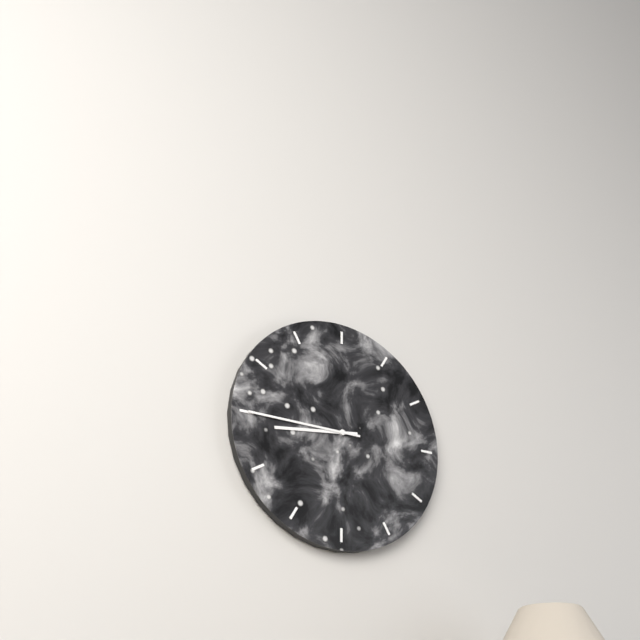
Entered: 8.45
